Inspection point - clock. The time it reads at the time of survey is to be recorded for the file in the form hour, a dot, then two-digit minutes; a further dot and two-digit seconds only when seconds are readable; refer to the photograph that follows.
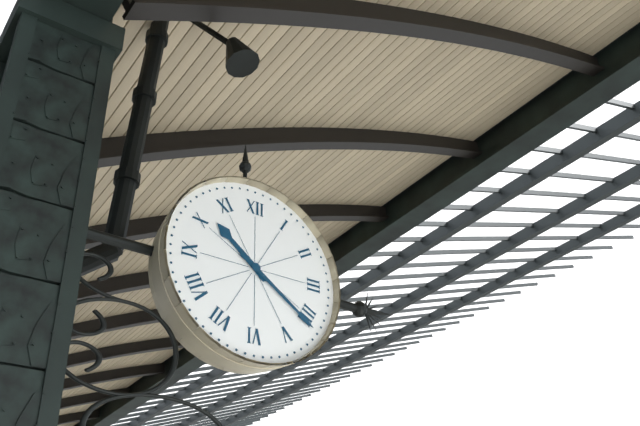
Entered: 10.21
